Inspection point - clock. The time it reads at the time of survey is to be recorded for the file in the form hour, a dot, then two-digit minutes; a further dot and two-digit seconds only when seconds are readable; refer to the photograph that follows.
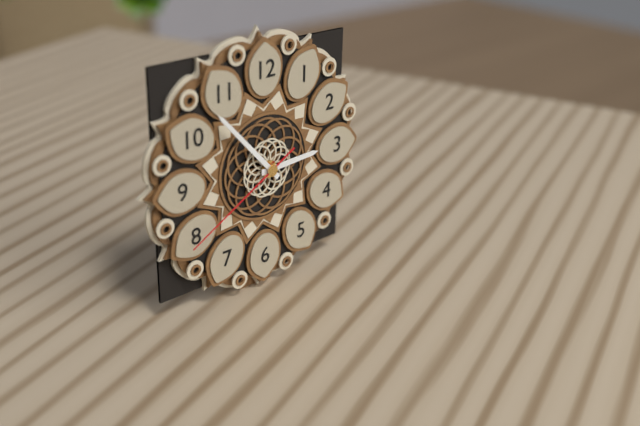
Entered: 2.53.40
